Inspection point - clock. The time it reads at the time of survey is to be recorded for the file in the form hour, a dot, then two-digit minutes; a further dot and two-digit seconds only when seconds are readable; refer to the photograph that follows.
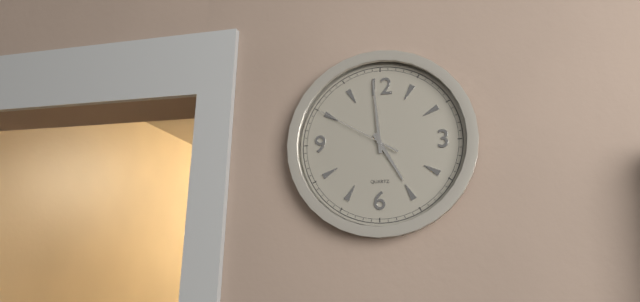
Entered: 4.59.50
